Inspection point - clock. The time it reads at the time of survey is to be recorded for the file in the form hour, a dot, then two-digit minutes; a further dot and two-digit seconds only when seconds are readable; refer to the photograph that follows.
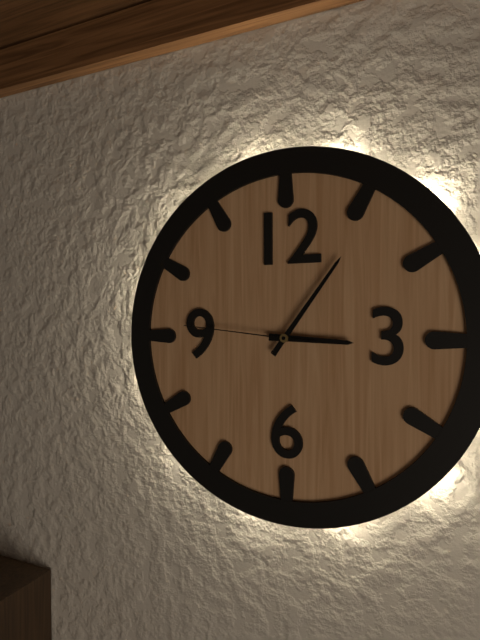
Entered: 3.06.46
